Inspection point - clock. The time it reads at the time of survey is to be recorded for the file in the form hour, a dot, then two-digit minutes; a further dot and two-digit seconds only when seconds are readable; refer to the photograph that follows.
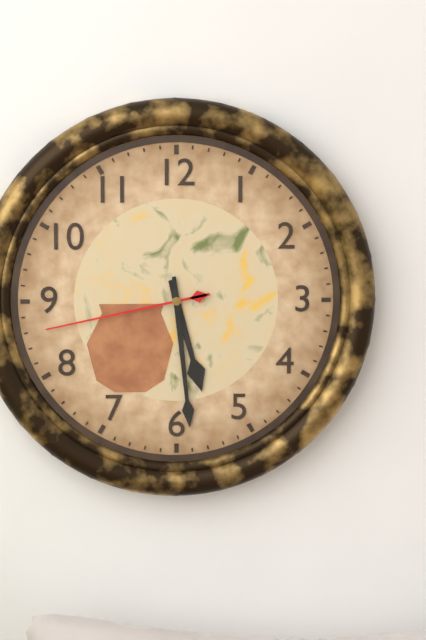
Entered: 5.29.43
